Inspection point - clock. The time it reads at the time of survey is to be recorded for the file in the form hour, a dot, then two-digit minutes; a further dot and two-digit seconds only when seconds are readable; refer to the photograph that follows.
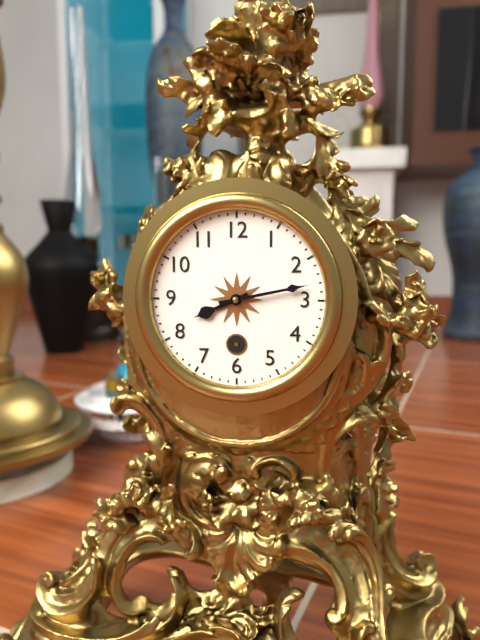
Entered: 8.13
